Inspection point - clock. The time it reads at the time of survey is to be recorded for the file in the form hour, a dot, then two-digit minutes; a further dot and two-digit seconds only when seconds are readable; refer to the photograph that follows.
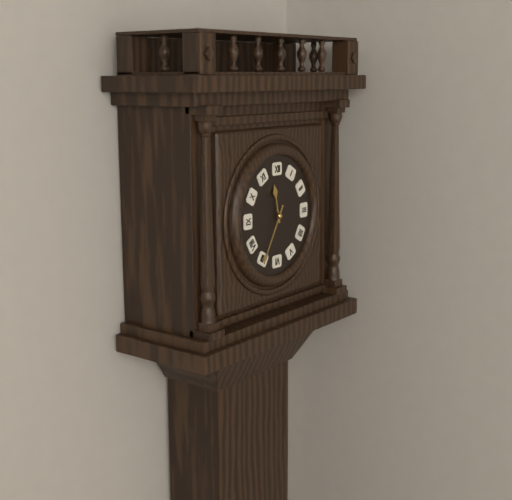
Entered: 11.35
